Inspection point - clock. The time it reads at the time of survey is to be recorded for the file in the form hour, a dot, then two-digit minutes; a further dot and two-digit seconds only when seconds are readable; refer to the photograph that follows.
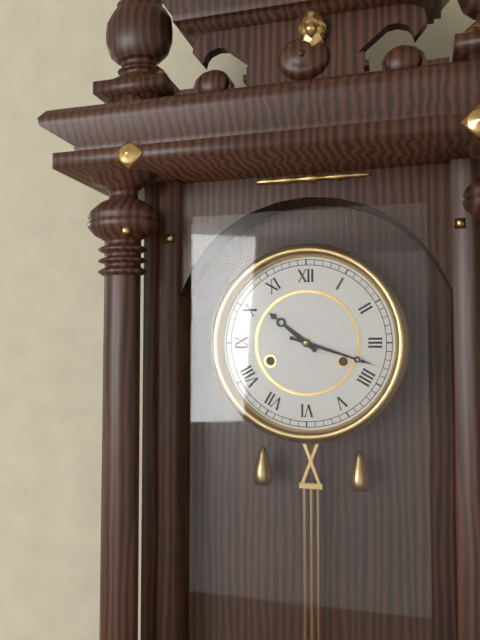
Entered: 10.18
